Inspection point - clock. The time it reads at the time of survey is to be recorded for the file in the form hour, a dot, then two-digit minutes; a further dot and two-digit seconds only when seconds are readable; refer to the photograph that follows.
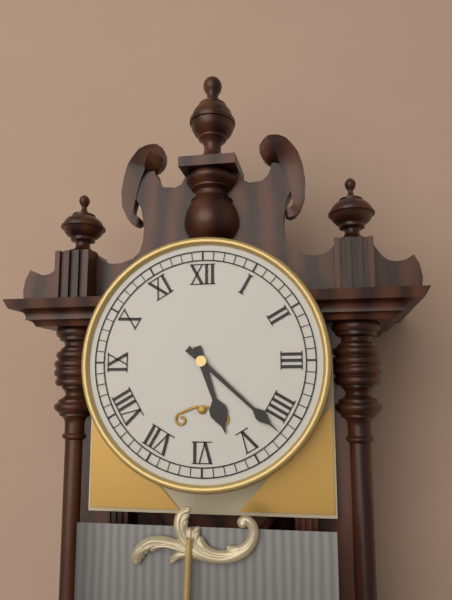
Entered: 5.22
